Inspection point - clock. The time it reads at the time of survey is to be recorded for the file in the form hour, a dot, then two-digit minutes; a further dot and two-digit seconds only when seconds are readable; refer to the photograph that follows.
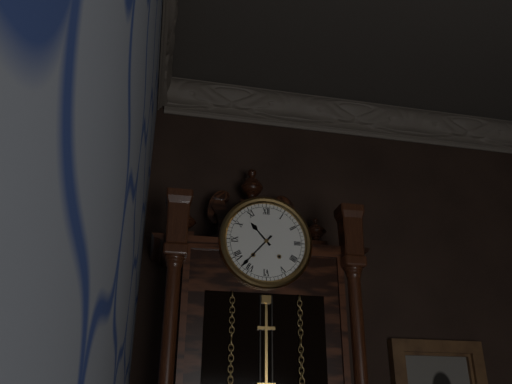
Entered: 10.37
